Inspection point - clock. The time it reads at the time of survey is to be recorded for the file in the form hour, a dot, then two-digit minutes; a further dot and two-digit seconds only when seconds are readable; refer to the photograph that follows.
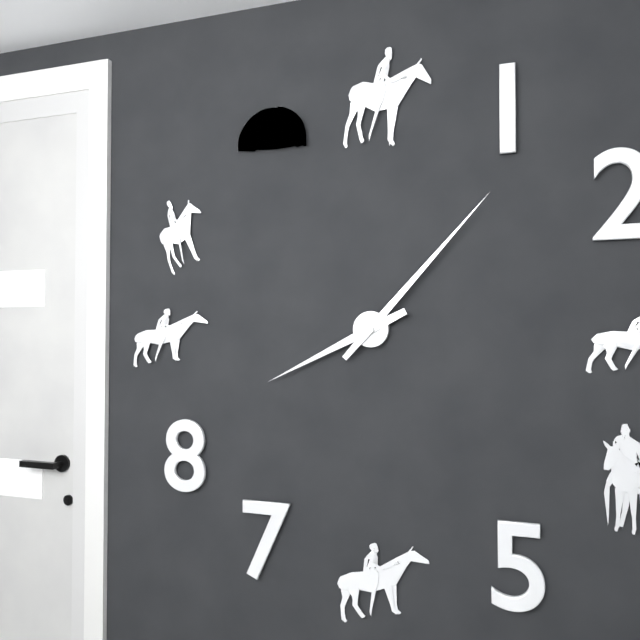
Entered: 8.07
